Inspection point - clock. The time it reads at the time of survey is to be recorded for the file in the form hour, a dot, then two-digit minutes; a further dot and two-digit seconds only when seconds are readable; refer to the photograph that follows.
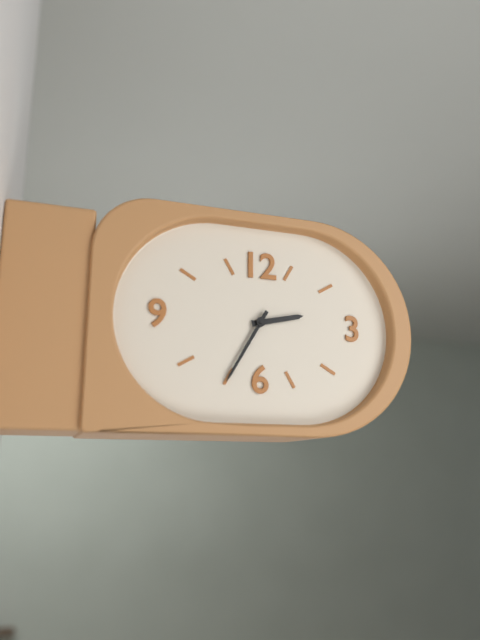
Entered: 2.35
